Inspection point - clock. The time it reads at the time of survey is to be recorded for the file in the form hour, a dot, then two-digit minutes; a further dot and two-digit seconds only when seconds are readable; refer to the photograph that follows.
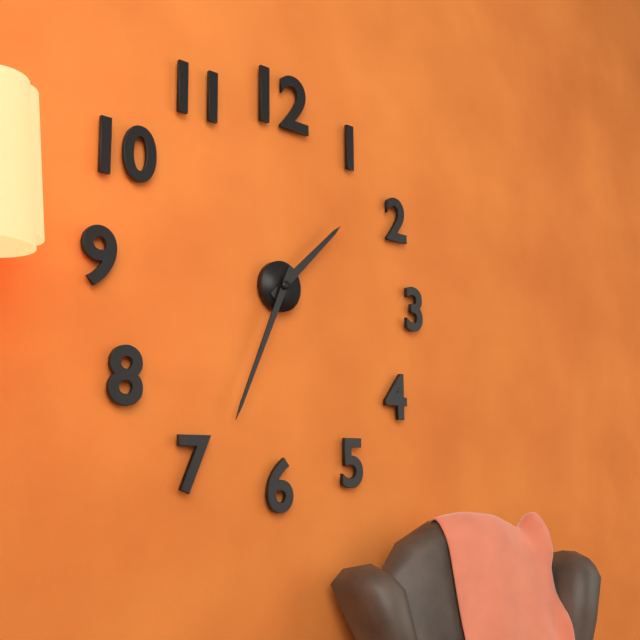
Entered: 1.34
